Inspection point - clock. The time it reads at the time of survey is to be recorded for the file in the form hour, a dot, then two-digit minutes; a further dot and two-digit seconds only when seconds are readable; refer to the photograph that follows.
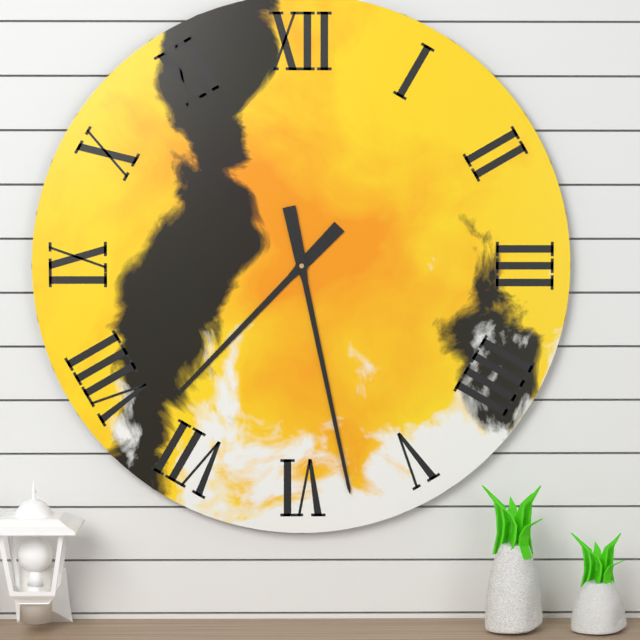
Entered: 7.28
